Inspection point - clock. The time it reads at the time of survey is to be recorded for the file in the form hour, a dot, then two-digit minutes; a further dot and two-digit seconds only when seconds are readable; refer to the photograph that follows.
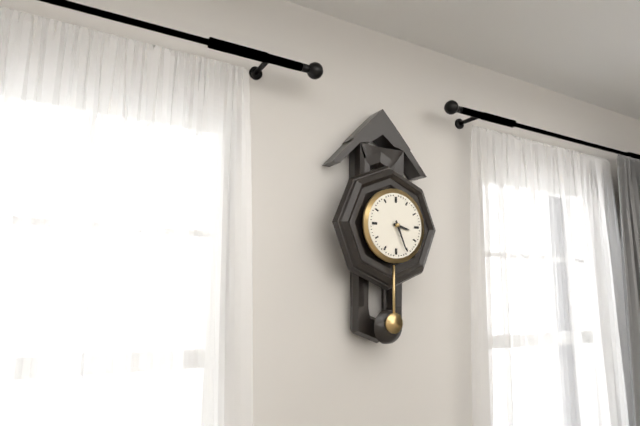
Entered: 3.26
